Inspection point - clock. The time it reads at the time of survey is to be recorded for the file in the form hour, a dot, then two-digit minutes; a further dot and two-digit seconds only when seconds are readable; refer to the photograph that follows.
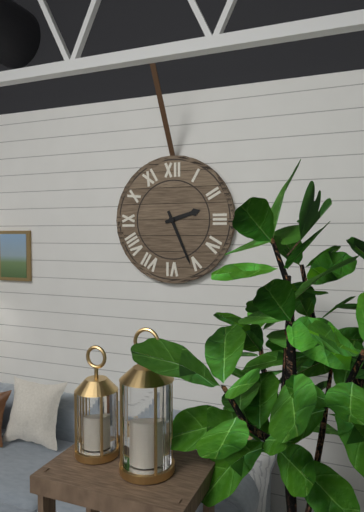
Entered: 2.26
